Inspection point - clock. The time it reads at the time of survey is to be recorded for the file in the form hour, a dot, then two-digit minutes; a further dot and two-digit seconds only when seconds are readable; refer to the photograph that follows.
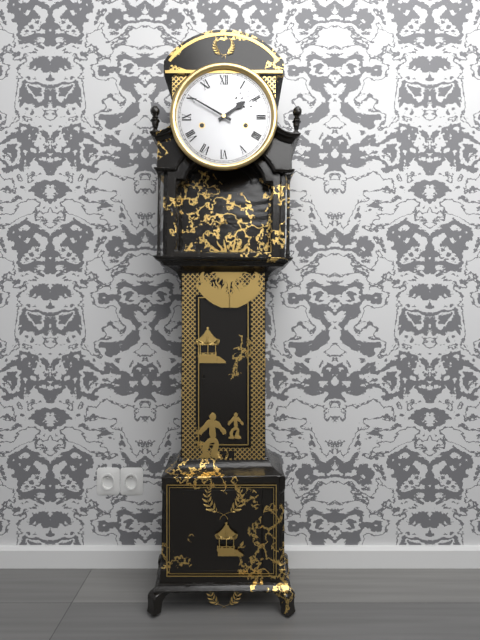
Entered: 1.50
